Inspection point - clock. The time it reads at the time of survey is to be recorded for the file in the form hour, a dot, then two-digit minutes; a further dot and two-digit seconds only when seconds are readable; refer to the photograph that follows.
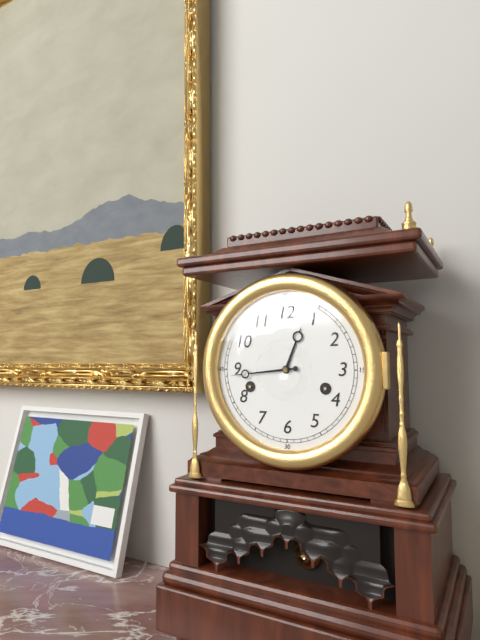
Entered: 12.44
